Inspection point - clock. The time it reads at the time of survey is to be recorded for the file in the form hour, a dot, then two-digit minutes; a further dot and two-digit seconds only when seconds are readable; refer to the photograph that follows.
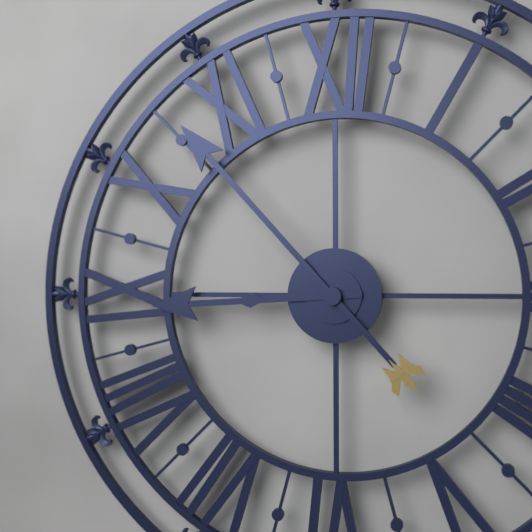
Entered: 8.53
